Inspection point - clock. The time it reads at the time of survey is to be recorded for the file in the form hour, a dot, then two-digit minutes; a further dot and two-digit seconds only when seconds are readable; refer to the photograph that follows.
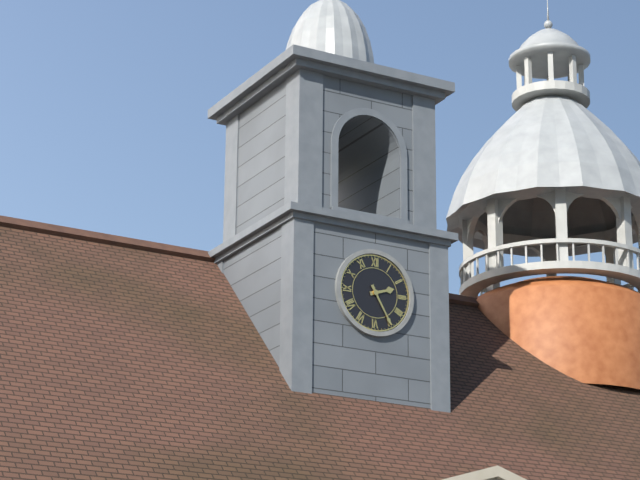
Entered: 2.25
